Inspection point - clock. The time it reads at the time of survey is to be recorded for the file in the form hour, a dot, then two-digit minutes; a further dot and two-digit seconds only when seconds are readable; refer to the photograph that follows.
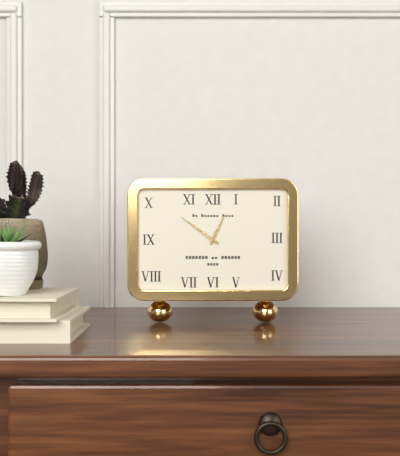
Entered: 12.51
